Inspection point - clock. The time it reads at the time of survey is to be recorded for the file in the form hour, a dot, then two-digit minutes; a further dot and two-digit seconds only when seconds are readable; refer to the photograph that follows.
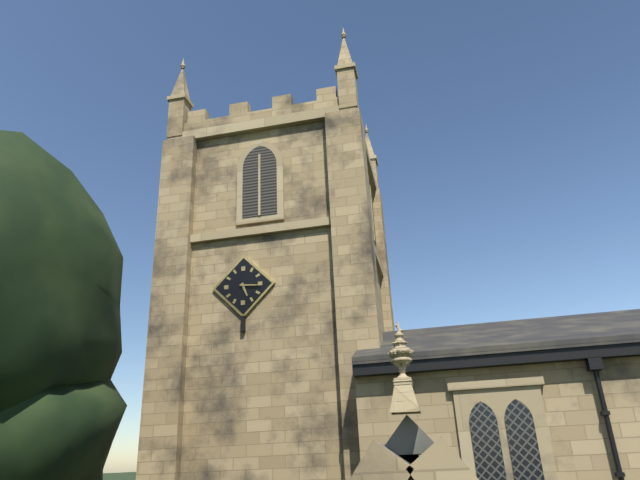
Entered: 5.16
